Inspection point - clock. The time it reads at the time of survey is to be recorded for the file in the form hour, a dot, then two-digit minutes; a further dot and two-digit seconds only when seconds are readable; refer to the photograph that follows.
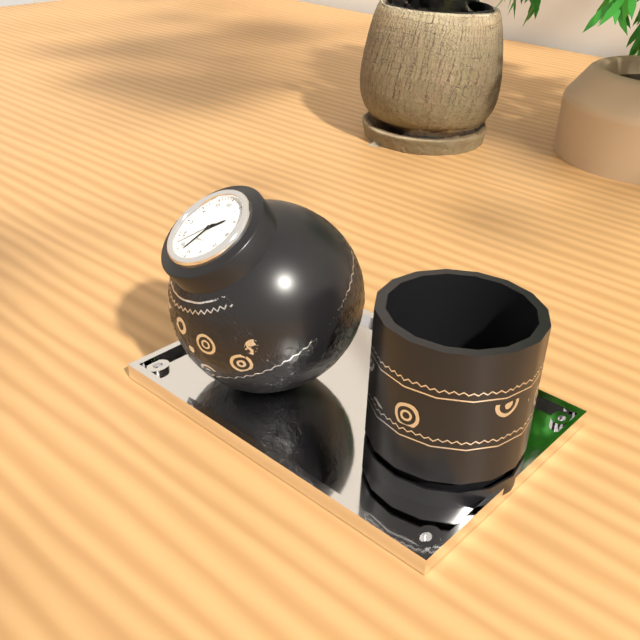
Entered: 1.33.37
